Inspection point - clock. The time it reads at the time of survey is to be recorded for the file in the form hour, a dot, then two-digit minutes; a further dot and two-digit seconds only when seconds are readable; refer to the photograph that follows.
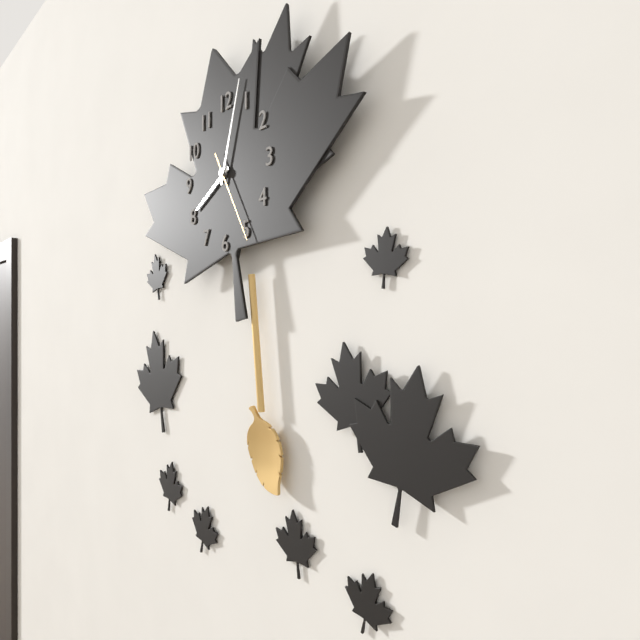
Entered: 8.03.25
